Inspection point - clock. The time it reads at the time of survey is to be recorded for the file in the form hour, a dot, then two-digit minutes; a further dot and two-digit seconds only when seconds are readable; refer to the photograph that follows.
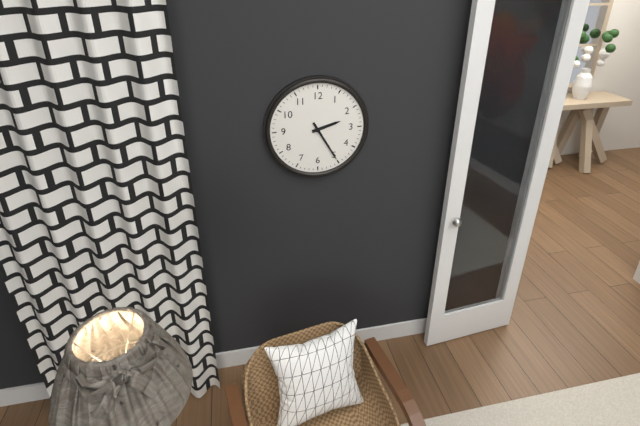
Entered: 2.25
